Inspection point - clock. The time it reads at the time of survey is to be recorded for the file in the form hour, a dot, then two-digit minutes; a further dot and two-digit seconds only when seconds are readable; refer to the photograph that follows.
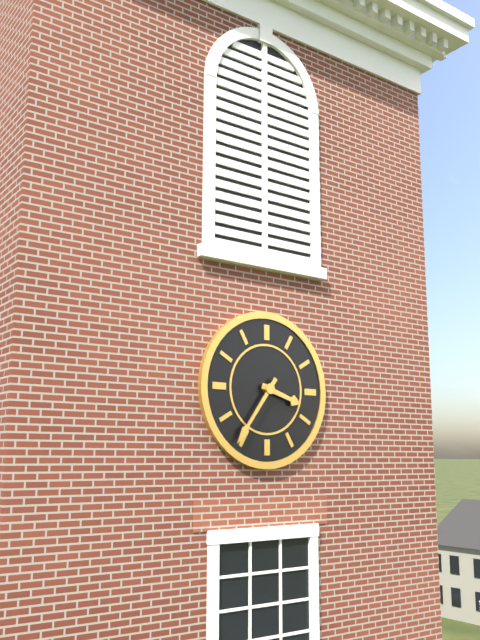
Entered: 3.36
